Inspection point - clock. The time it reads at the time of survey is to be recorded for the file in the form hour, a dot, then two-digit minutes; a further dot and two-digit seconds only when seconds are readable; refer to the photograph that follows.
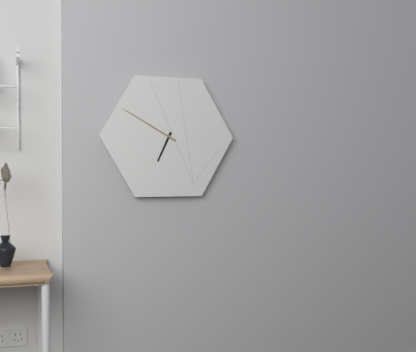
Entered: 6.50
